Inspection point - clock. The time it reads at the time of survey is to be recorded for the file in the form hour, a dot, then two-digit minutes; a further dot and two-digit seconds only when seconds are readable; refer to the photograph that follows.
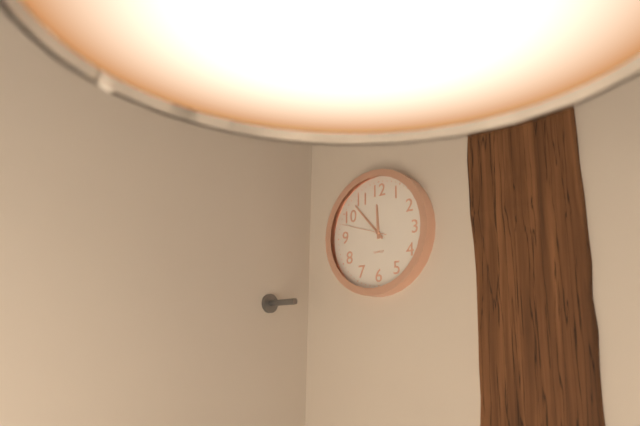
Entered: 11.53
